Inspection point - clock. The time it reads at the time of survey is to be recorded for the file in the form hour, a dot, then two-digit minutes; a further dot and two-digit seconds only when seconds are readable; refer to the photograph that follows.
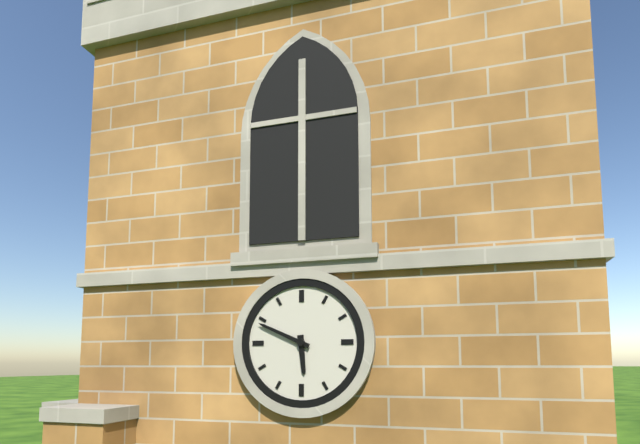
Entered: 5.49
